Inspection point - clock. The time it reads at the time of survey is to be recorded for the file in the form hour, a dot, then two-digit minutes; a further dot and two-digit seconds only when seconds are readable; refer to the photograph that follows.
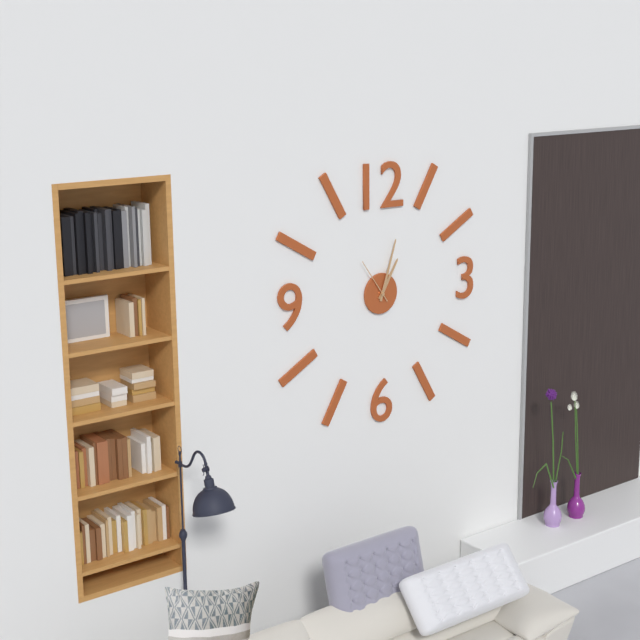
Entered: 1.03
